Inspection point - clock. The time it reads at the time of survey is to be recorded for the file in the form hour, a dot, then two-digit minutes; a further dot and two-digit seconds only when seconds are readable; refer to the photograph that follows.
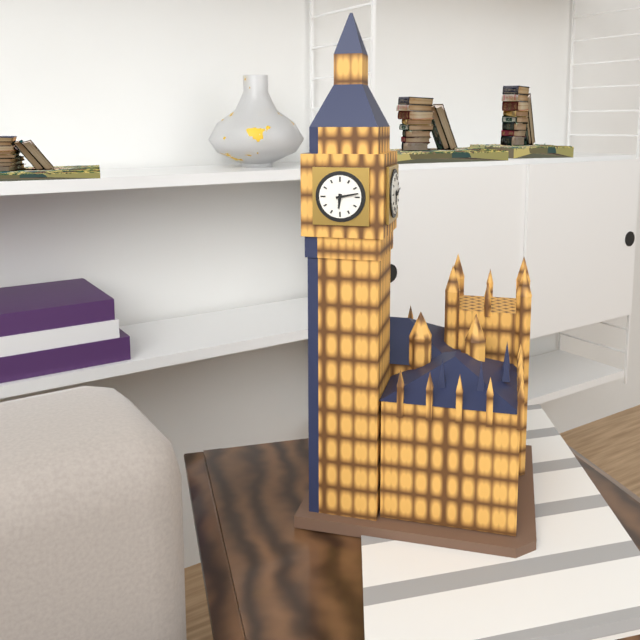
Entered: 6.13
